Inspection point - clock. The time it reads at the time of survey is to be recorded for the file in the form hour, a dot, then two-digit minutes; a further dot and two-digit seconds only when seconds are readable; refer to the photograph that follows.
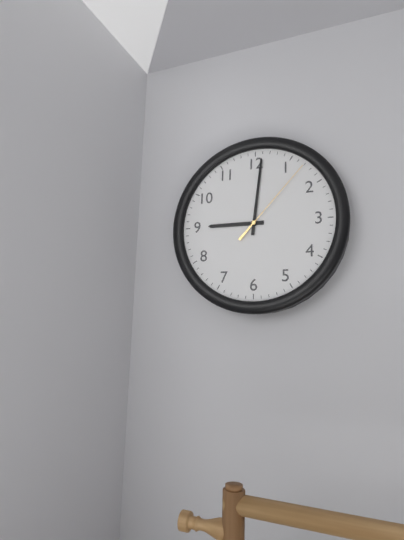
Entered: 9.01.07
